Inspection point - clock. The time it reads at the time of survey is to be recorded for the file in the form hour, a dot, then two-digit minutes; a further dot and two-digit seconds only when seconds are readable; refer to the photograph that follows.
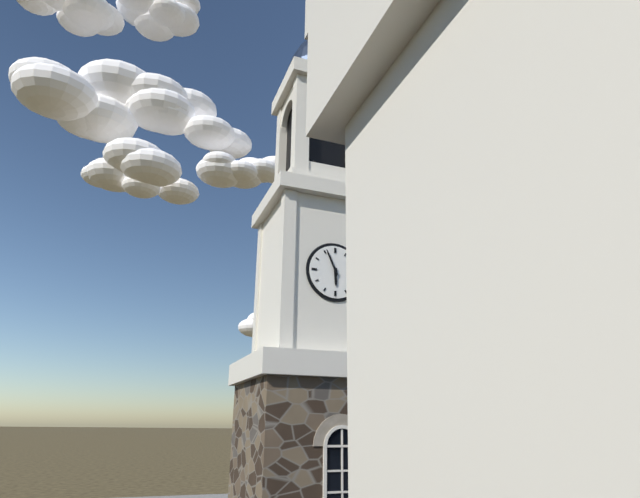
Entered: 5.56
